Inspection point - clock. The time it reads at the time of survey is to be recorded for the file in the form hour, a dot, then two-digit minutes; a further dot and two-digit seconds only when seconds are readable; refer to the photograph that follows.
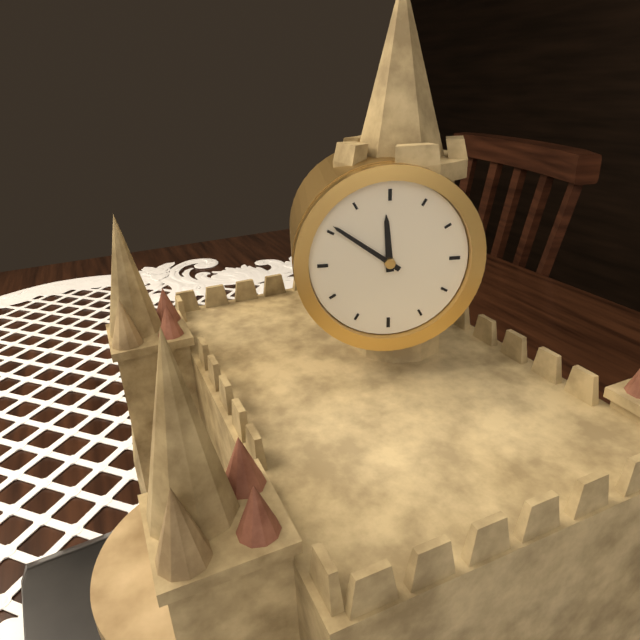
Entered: 11.51
